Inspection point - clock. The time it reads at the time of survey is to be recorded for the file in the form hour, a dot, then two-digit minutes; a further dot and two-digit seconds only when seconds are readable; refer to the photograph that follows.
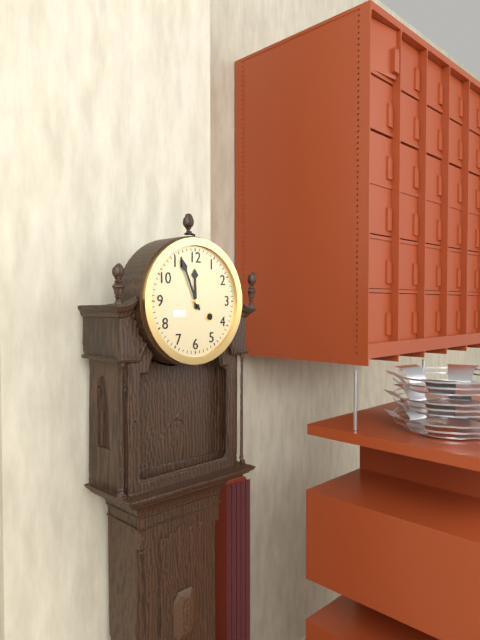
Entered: 11.56
